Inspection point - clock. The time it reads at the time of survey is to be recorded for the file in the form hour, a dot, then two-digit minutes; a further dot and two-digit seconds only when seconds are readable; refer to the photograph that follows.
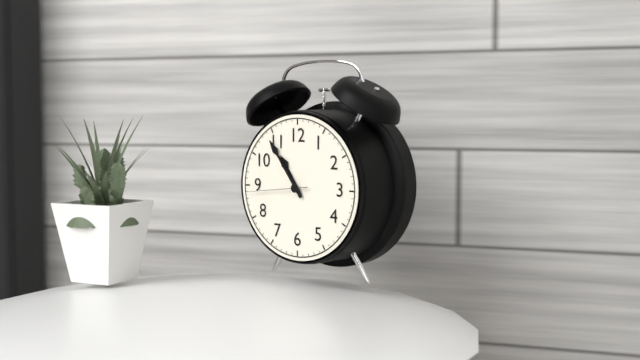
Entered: 10.54.44
